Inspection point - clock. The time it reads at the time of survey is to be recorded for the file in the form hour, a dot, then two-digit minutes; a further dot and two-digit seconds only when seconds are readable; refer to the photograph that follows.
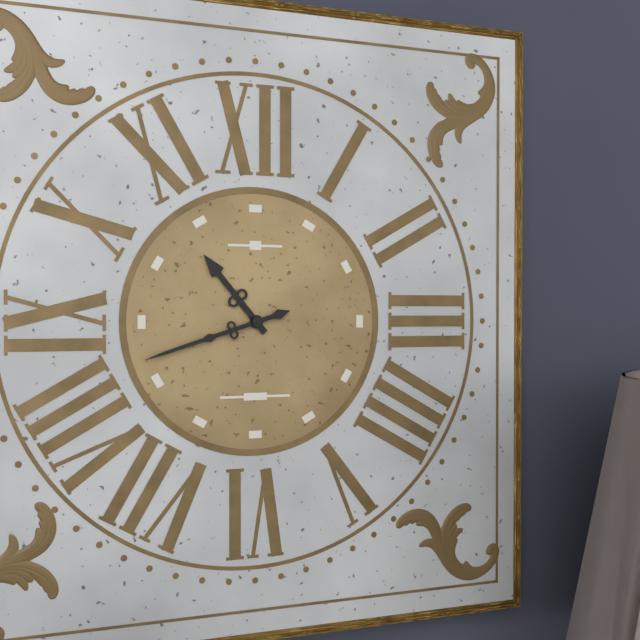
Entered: 10.42
